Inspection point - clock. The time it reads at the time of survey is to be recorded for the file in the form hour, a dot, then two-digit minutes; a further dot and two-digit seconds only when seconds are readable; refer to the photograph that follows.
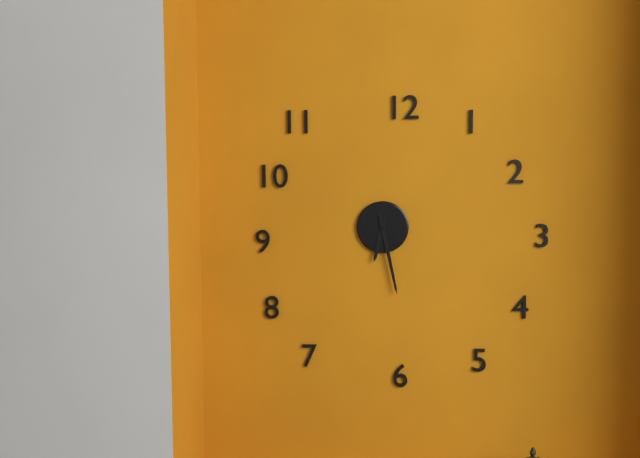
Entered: 6.28
